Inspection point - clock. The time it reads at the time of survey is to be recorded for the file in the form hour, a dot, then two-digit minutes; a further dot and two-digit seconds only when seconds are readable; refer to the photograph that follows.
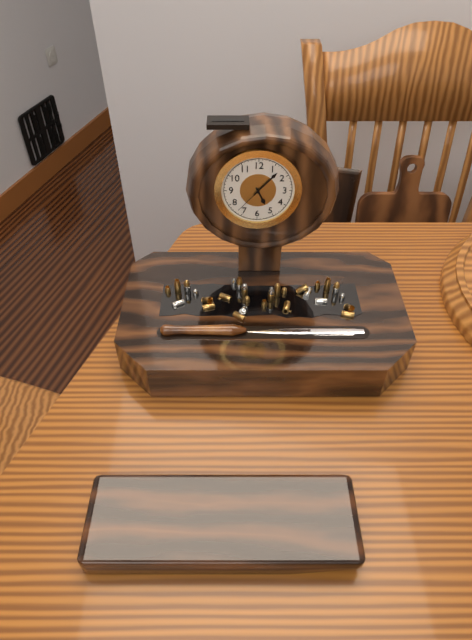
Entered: 5.07
